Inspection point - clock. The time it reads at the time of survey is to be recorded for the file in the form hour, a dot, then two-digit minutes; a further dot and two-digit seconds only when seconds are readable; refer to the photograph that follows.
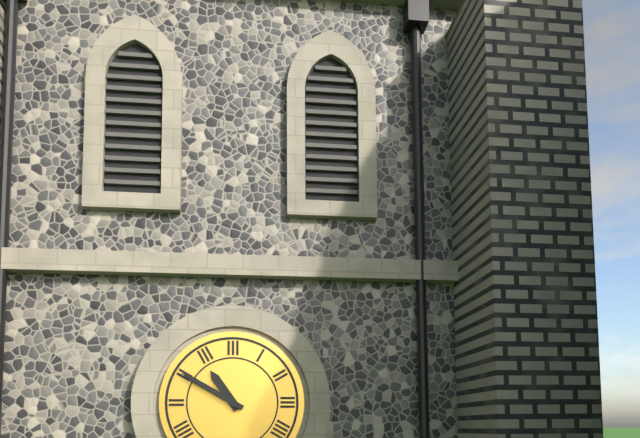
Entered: 10.50
